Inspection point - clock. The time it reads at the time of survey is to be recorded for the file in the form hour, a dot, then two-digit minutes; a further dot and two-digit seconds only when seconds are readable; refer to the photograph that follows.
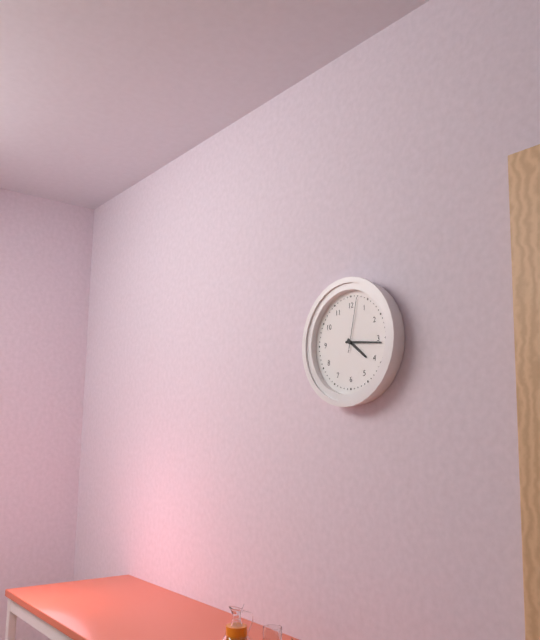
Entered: 4.16.02
